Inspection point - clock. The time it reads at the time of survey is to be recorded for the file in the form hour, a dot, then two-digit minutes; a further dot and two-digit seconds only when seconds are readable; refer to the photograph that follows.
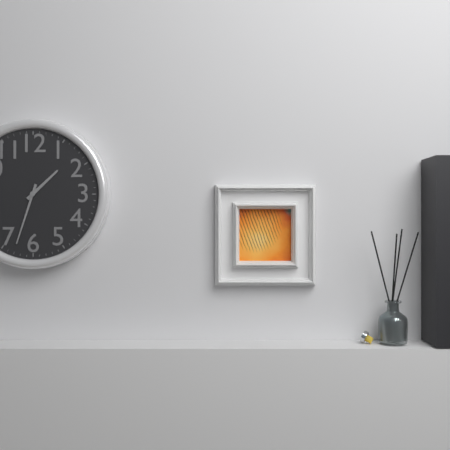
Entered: 1.33
